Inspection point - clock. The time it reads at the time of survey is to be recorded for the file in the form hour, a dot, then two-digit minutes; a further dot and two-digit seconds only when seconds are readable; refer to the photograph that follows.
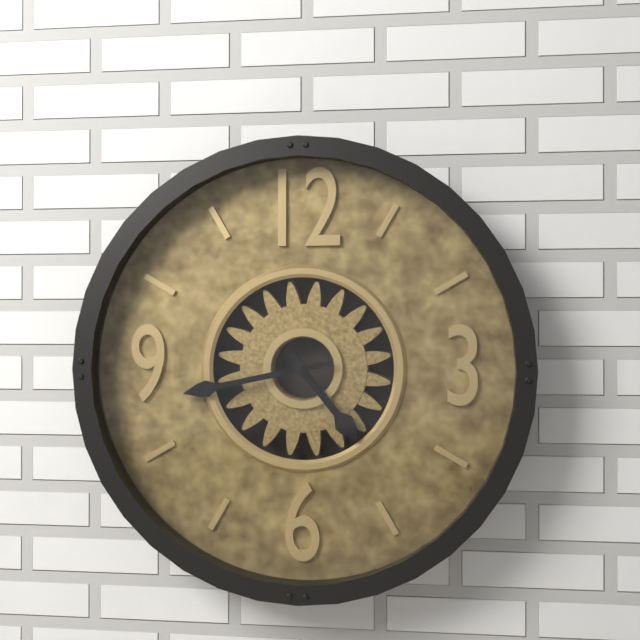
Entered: 4.43
